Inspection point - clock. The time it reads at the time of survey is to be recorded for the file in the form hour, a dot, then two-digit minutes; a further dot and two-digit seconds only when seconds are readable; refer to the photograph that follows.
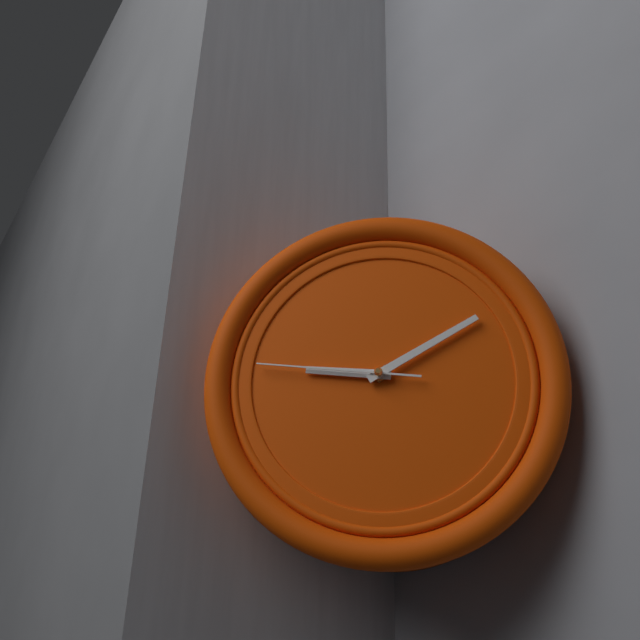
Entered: 9.10.46
